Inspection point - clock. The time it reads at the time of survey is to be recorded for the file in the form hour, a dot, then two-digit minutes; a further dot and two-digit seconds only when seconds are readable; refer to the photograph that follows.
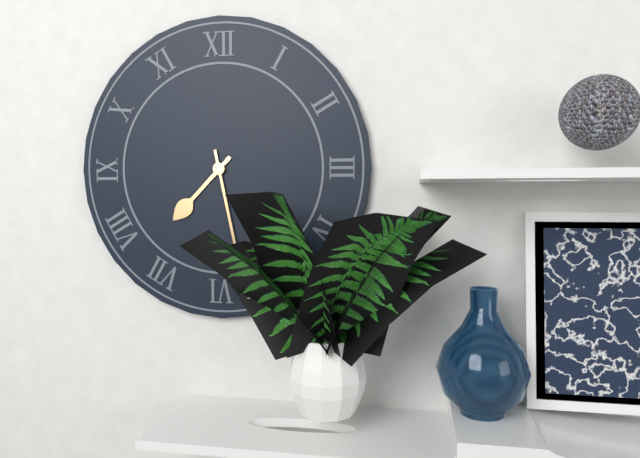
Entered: 7.28
